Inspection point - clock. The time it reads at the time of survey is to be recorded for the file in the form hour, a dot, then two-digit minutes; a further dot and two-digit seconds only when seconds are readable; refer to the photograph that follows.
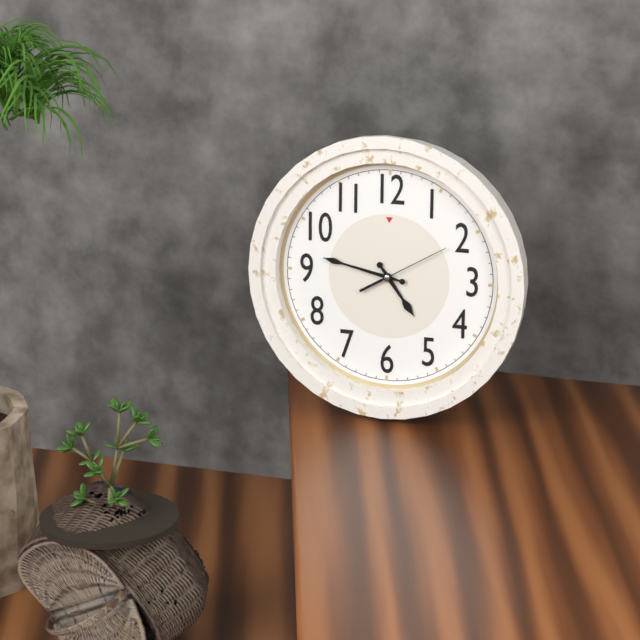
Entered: 4.47.10
